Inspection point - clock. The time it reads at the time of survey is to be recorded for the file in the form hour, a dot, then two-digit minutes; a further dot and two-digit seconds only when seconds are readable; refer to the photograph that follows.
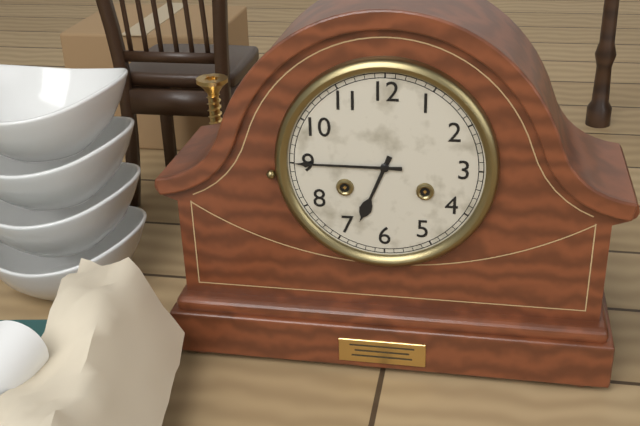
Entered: 6.45
